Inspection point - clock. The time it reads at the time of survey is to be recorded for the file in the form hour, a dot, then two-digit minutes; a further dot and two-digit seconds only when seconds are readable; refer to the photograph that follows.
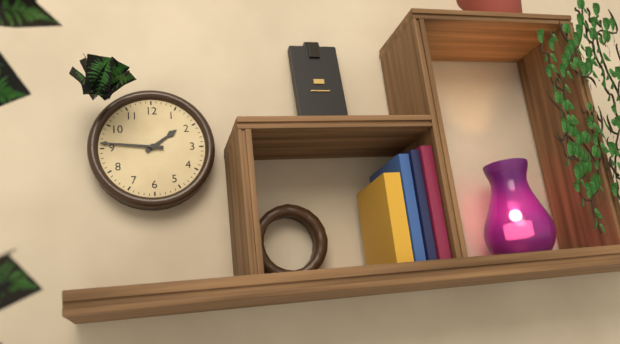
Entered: 1.46
